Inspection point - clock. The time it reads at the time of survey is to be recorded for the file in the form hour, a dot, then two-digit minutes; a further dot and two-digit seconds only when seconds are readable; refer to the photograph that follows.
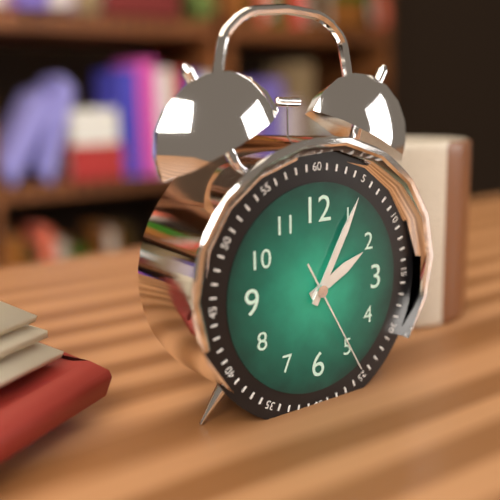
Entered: 2.05.25
